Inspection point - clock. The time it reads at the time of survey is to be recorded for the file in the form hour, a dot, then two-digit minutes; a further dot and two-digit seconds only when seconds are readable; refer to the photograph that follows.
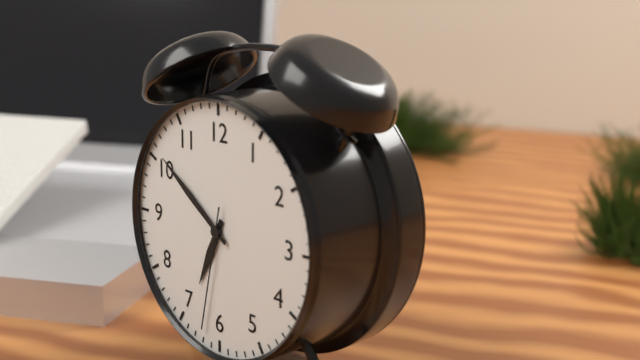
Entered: 6.51.32
